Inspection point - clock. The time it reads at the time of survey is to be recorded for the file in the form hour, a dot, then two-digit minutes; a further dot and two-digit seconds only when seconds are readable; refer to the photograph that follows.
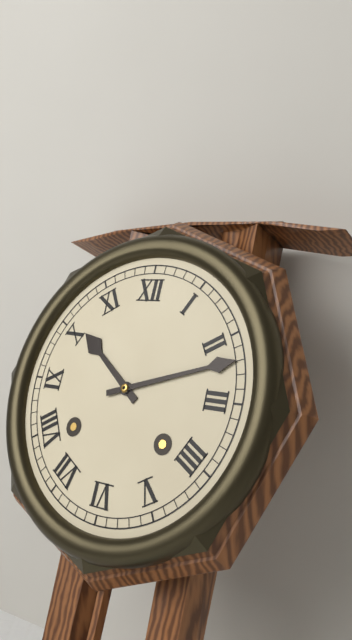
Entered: 10.12
